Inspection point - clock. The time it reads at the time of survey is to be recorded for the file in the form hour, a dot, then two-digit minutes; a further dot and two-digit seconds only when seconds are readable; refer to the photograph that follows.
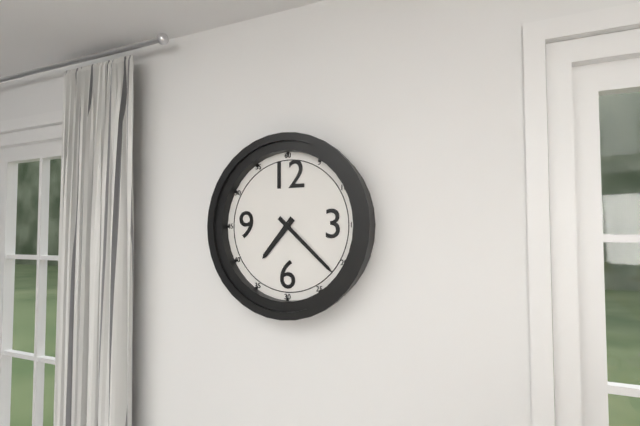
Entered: 7.22
